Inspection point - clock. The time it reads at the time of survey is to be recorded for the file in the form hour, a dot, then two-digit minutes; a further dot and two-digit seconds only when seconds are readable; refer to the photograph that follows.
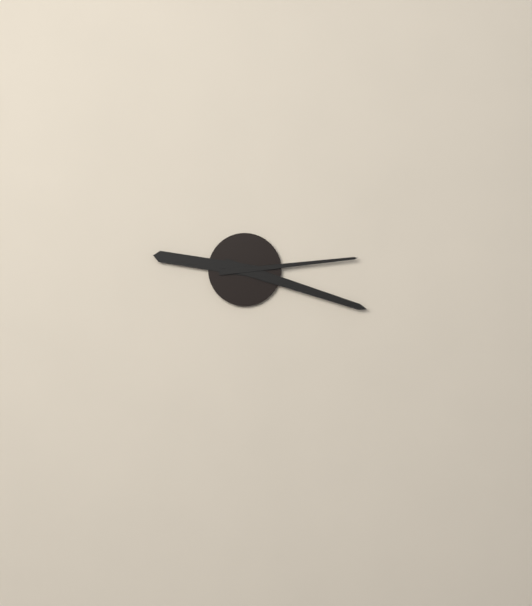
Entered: 9.18.14
